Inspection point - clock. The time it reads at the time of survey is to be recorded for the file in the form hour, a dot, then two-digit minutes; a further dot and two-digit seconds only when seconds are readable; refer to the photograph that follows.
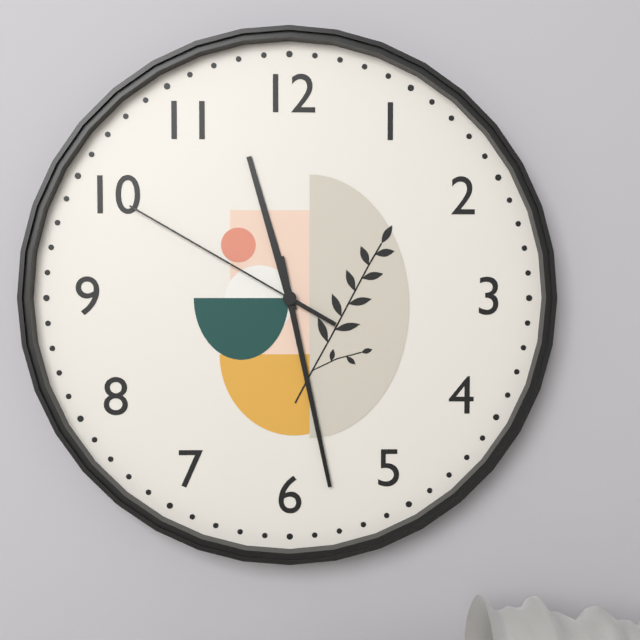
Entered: 11.28.50
